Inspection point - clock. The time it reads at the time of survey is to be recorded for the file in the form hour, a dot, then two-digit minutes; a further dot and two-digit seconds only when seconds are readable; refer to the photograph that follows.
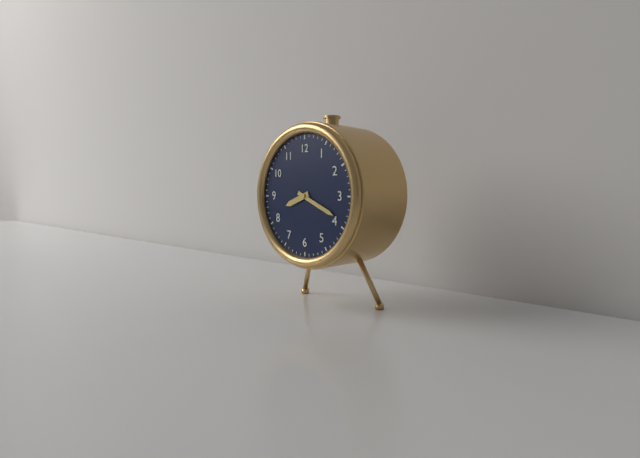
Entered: 8.19
